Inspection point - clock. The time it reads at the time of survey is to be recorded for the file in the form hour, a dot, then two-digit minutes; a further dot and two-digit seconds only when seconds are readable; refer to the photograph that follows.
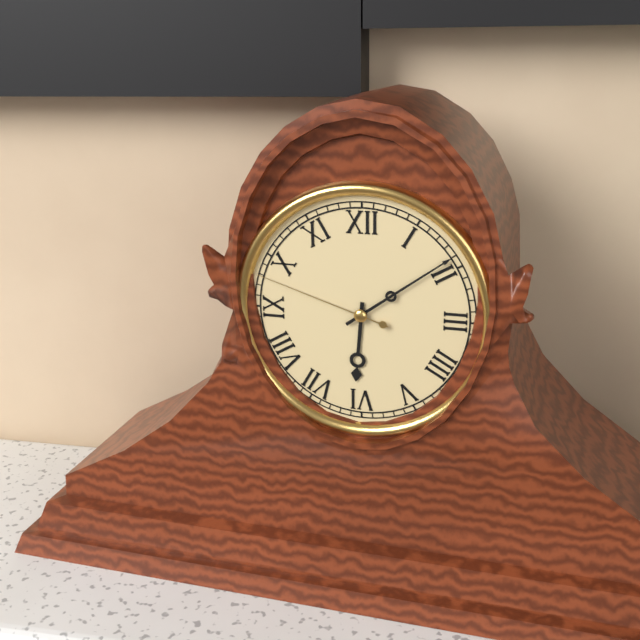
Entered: 6.09.48
